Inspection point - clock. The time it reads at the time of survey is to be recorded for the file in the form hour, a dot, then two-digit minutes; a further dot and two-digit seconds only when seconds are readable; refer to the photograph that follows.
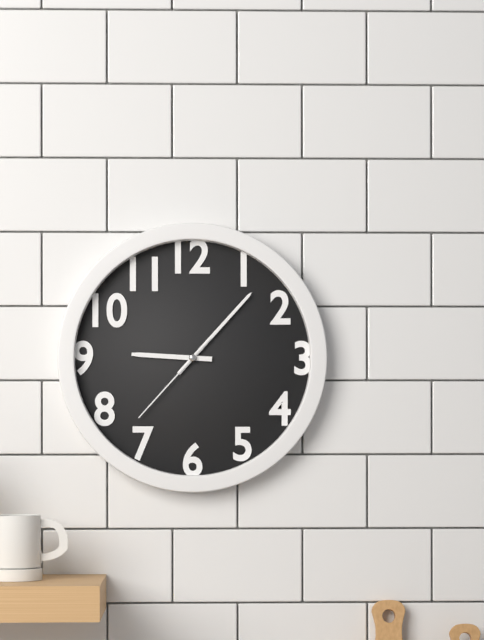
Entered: 9.07.37
